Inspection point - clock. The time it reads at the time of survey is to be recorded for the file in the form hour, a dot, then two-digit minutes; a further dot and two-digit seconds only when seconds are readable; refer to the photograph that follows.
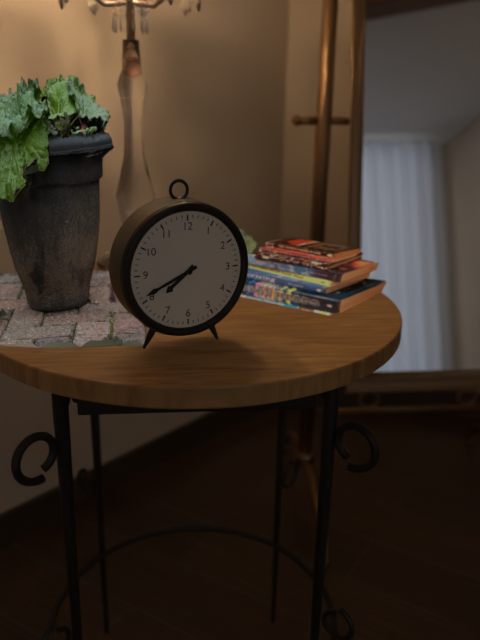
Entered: 7.41
